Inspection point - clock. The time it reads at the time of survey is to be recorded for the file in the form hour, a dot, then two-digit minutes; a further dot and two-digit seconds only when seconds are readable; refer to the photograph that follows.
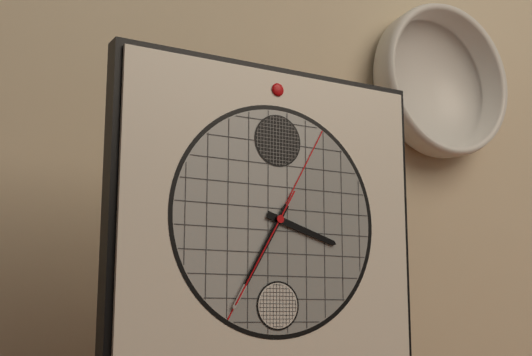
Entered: 3.35.35
